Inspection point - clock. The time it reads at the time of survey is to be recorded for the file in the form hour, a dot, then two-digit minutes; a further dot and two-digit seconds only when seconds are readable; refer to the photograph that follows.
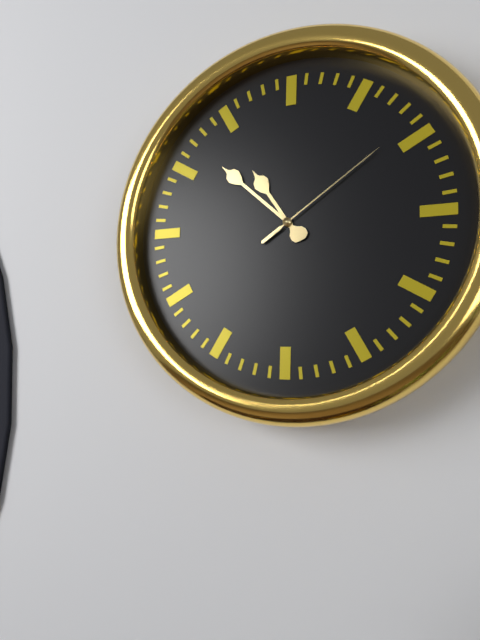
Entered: 10.52.09
